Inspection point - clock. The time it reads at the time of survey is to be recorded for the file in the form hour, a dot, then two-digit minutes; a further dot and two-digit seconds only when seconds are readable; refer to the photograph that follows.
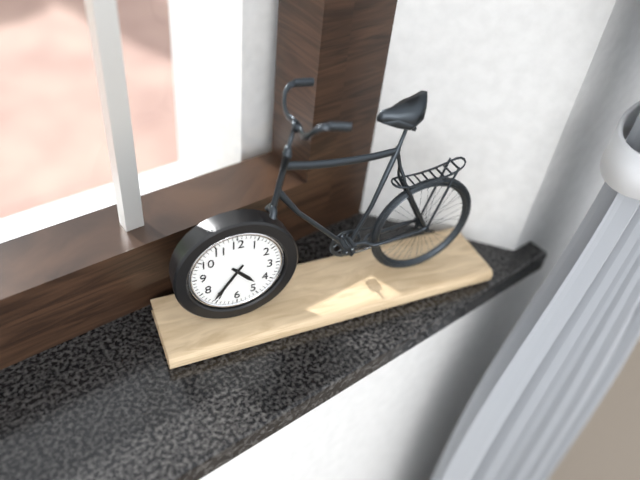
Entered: 4.36
